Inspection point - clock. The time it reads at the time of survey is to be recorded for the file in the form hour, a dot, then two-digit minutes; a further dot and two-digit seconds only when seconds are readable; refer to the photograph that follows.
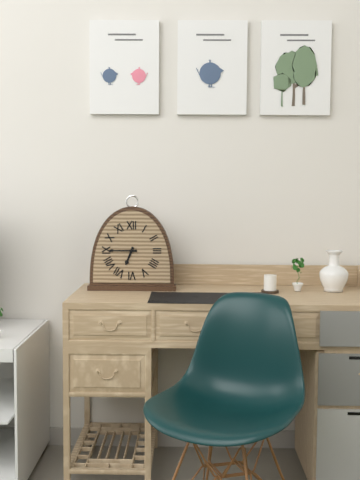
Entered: 6.45
